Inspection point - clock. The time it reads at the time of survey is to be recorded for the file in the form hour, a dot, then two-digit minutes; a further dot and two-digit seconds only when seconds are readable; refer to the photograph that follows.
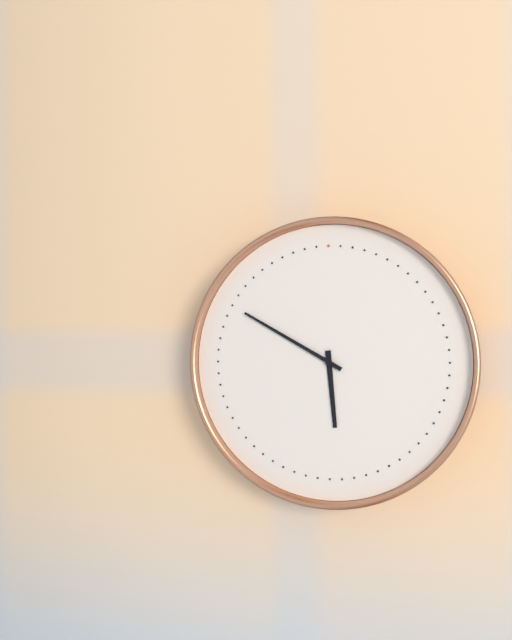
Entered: 5.50
